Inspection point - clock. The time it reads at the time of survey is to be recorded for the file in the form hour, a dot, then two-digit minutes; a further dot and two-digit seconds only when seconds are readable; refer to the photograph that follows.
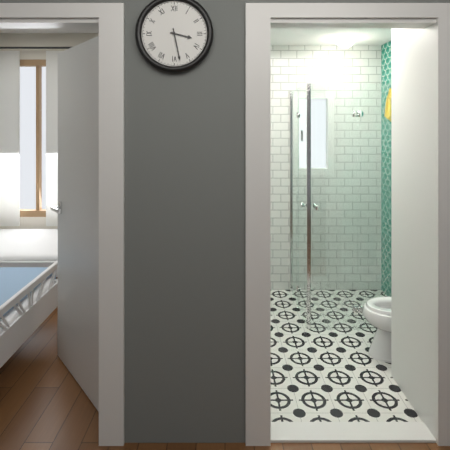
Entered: 3.28
